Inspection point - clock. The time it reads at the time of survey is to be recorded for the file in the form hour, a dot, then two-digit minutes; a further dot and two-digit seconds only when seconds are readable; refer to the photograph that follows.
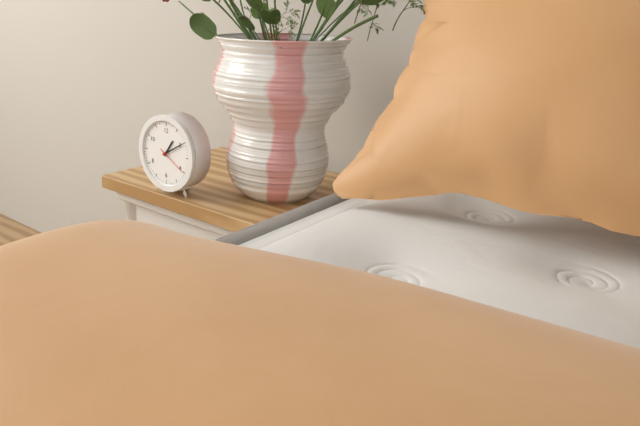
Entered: 1.10
